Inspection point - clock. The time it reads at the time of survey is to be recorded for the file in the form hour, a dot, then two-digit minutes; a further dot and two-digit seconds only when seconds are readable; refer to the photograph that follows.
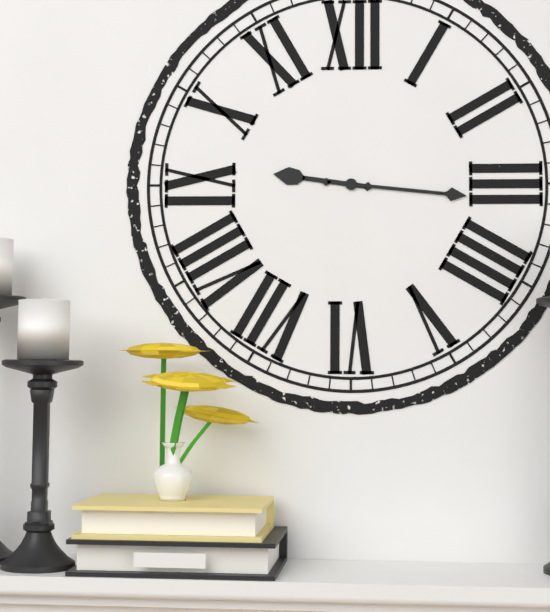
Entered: 9.16
